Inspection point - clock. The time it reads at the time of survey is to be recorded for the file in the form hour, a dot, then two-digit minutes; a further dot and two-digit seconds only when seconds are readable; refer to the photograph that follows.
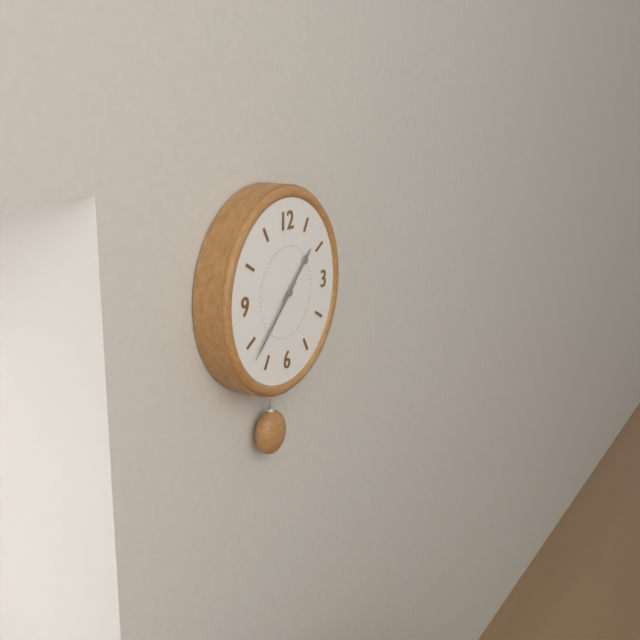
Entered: 1.38
